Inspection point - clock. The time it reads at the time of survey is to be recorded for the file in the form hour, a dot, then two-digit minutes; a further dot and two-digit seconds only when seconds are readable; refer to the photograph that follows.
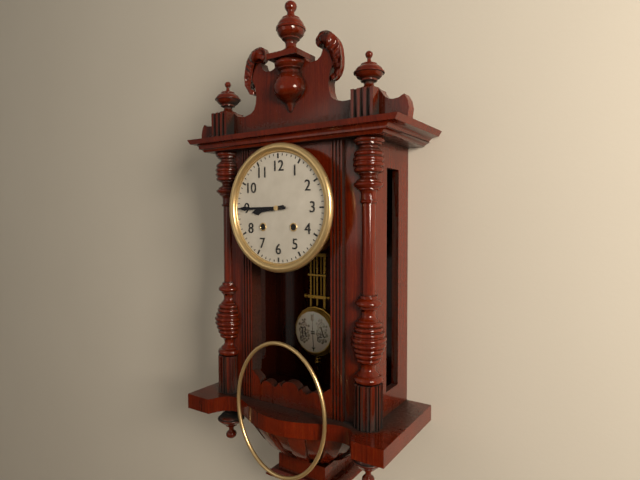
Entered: 8.45
